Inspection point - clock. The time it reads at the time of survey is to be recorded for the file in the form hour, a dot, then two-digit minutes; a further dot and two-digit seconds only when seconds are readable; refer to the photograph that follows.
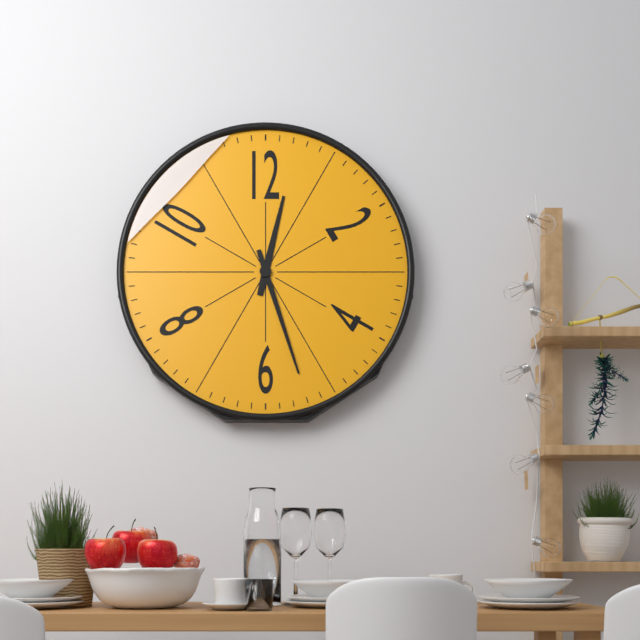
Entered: 12.27
